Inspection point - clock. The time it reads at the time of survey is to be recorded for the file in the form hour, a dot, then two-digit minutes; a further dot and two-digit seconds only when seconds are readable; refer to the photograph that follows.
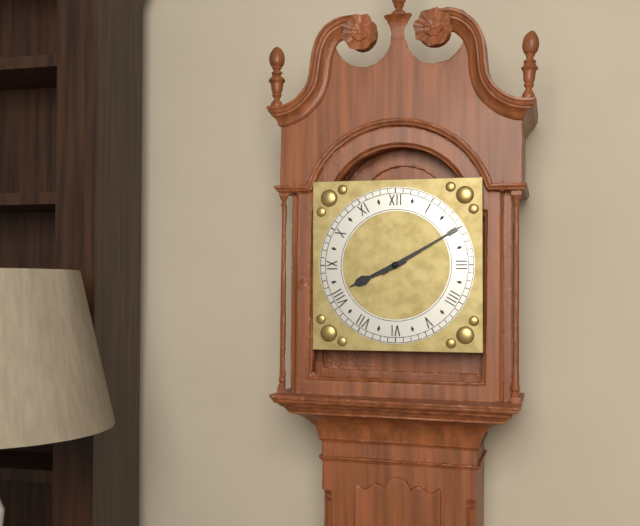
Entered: 8.10
